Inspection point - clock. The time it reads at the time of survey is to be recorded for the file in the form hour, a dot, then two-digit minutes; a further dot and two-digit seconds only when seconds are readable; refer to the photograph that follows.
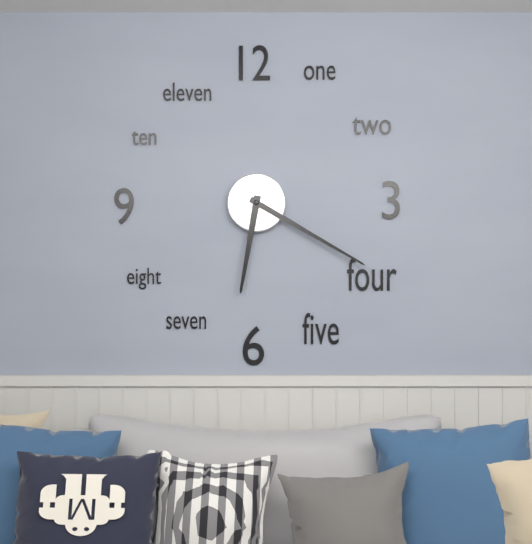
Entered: 6.20
